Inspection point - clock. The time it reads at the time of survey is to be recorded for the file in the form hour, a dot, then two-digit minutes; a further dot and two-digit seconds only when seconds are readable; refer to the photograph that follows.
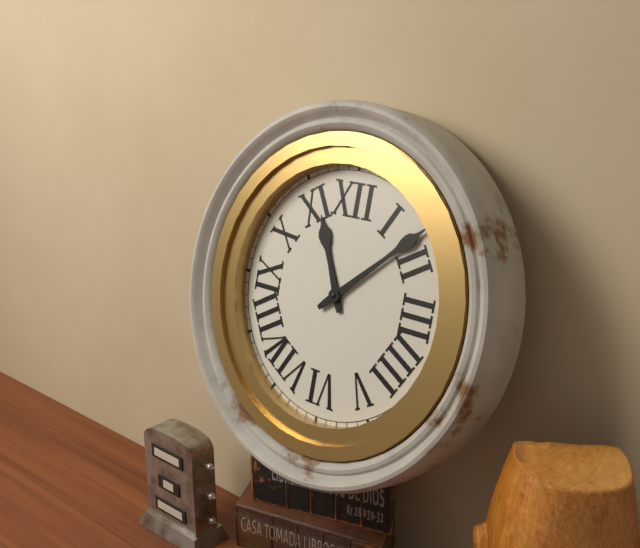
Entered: 11.08
